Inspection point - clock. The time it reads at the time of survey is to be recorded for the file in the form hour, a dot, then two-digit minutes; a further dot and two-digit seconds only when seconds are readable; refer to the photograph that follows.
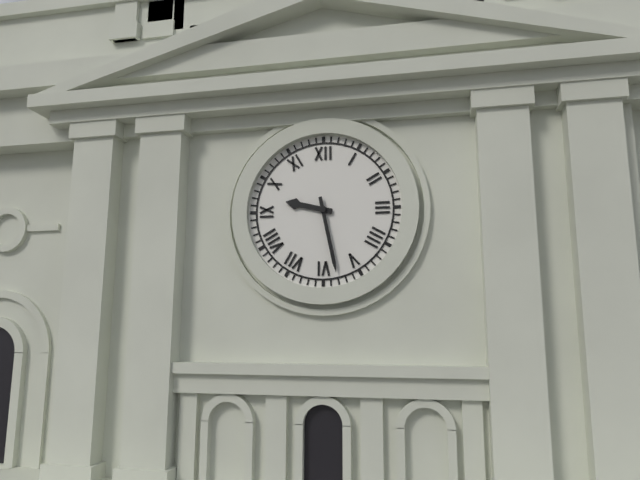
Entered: 9.28
